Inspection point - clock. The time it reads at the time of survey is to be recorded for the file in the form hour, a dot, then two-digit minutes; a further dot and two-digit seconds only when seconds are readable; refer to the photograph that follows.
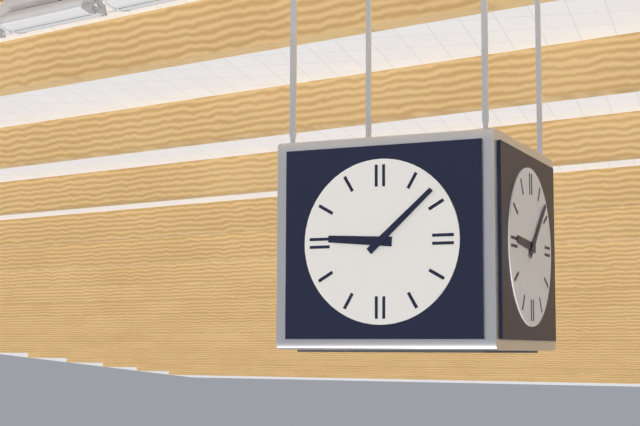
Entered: 9.08
